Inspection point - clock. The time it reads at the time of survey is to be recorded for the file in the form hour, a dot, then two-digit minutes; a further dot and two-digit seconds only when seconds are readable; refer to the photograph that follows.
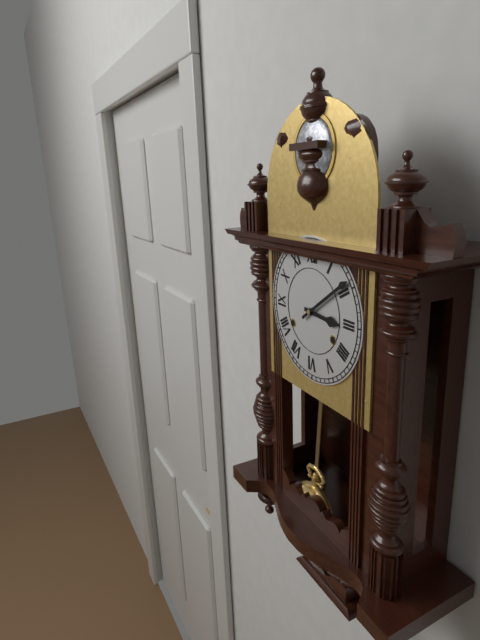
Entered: 3.09
